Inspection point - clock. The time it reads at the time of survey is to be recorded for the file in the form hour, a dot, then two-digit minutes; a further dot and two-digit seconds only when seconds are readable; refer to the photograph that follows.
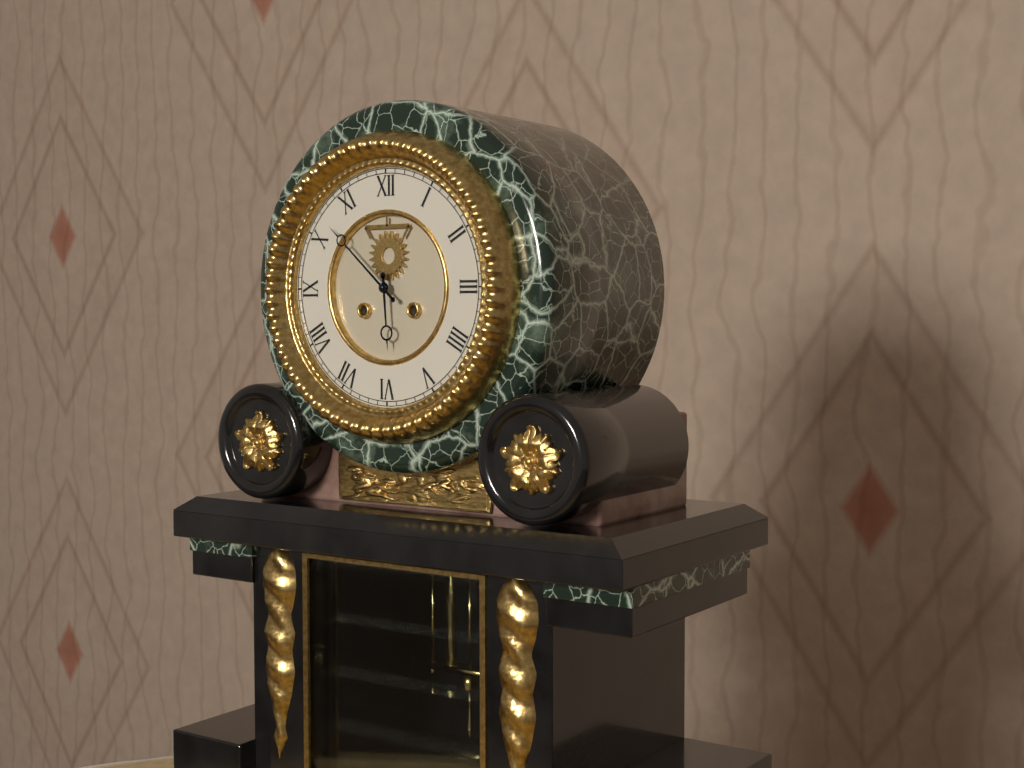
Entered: 5.52
